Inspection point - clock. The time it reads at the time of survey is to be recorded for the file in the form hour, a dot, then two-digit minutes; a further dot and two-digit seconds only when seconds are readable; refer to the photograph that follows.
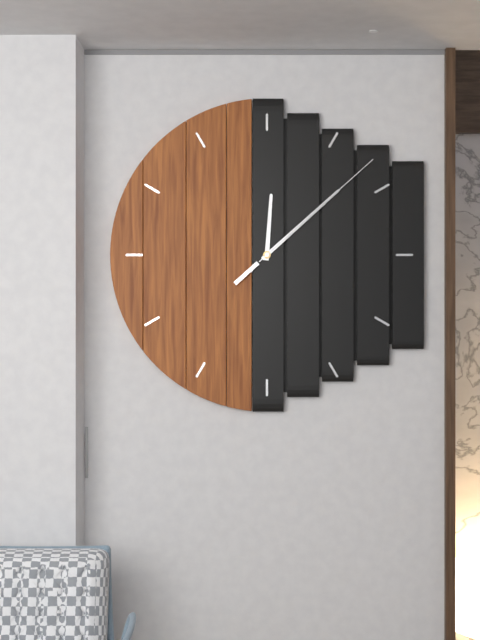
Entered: 12.08.08
